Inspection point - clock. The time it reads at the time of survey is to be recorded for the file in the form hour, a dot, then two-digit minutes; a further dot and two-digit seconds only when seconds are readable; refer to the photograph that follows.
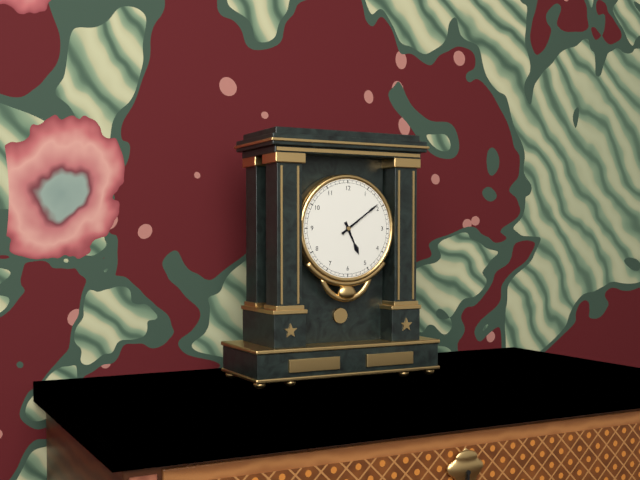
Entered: 5.09
